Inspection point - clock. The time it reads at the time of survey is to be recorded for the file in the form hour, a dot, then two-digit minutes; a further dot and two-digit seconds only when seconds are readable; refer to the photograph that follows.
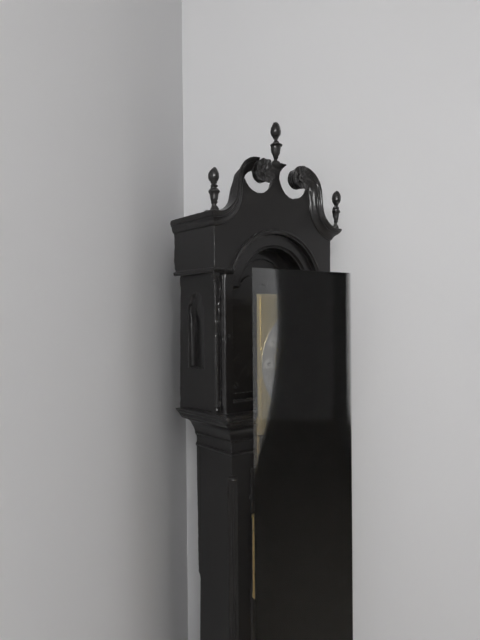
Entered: 6.03
